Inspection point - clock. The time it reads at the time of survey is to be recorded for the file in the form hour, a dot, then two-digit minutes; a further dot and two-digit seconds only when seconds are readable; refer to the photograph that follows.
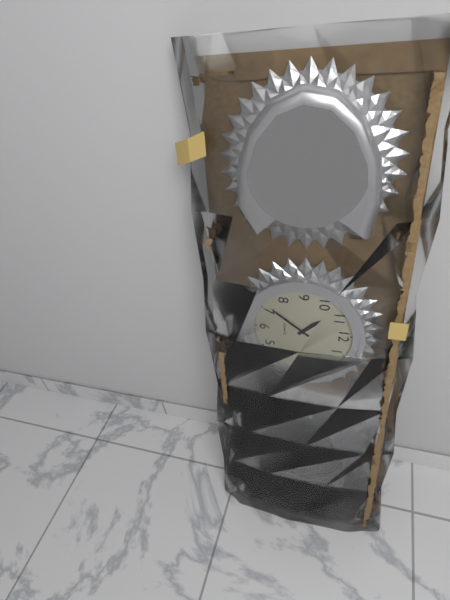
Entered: 10.36
